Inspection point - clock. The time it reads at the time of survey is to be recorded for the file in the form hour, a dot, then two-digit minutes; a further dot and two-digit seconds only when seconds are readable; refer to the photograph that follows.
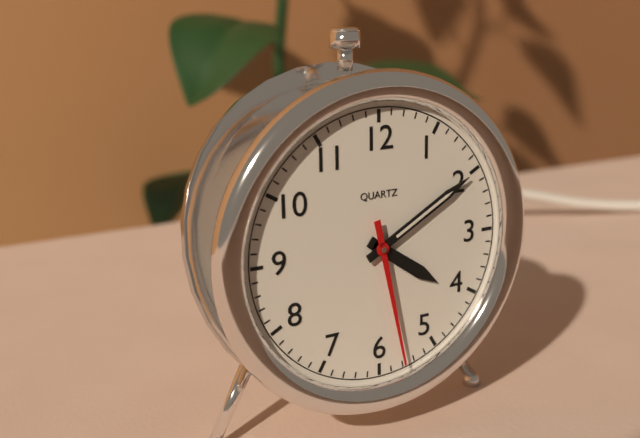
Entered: 4.10.28
